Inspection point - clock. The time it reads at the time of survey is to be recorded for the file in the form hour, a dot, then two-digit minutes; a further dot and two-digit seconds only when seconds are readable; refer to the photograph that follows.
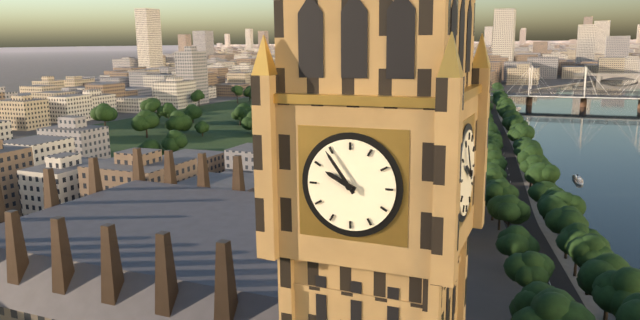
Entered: 9.54
